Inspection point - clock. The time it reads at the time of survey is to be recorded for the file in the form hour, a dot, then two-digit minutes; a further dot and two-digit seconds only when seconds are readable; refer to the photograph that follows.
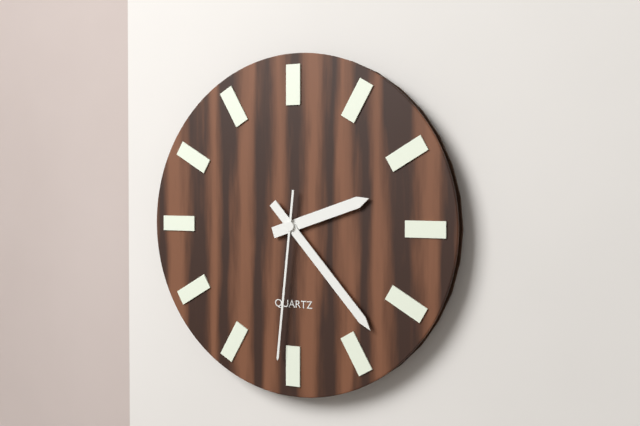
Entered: 2.23.31
